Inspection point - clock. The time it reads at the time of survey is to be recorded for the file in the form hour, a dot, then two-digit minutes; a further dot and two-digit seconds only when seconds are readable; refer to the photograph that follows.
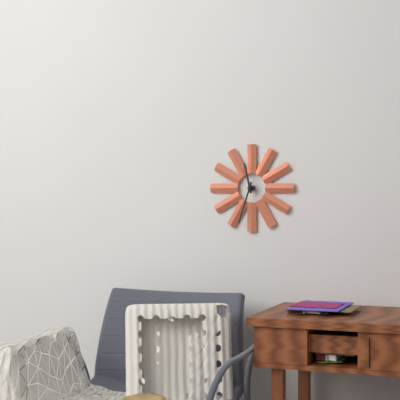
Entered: 11.33
